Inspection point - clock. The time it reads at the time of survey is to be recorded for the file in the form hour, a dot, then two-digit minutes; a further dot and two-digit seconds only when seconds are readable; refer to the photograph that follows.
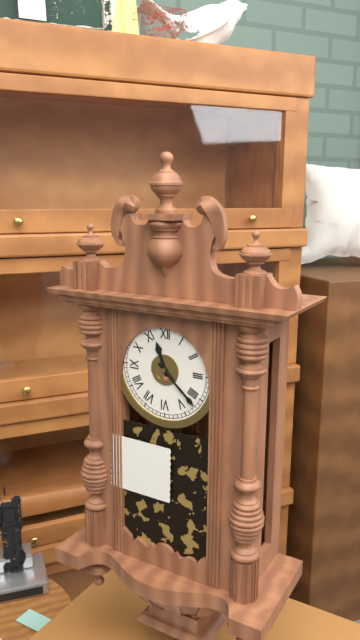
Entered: 11.22
